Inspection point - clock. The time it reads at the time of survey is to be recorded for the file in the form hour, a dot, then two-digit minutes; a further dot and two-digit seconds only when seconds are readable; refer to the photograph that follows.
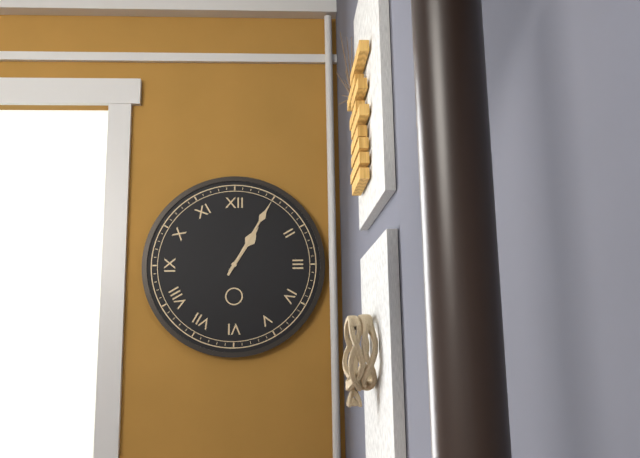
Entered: 1.05
